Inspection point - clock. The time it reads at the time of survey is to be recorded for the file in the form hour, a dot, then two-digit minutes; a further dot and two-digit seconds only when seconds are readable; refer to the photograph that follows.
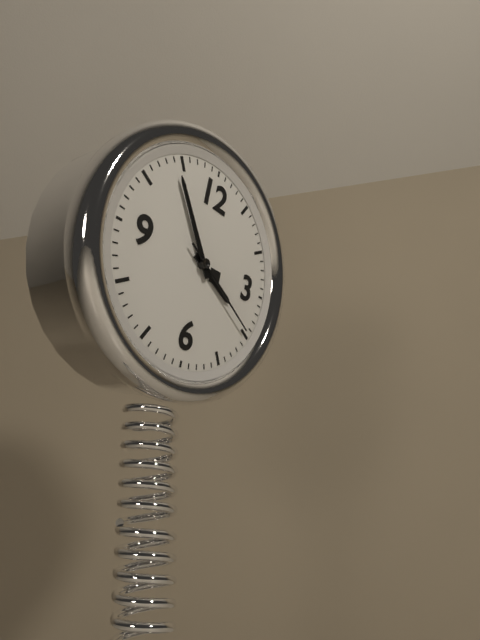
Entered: 3.54.20
